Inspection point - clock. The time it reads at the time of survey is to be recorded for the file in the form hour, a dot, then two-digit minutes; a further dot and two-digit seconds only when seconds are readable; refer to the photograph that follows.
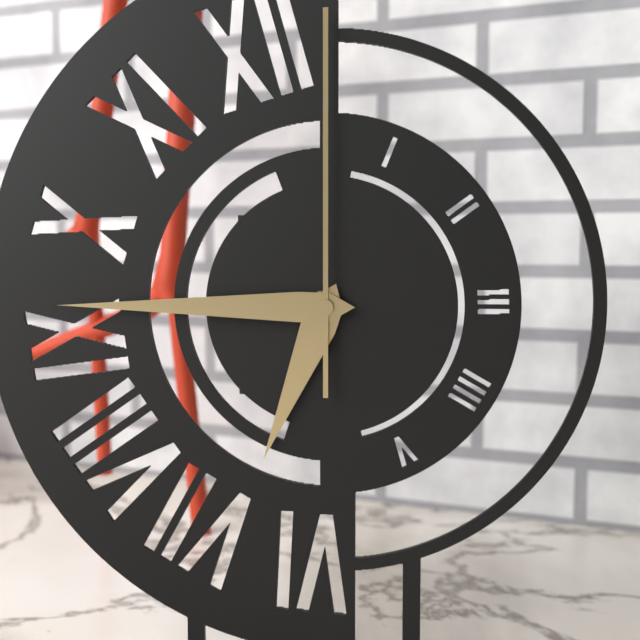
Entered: 6.45.00
